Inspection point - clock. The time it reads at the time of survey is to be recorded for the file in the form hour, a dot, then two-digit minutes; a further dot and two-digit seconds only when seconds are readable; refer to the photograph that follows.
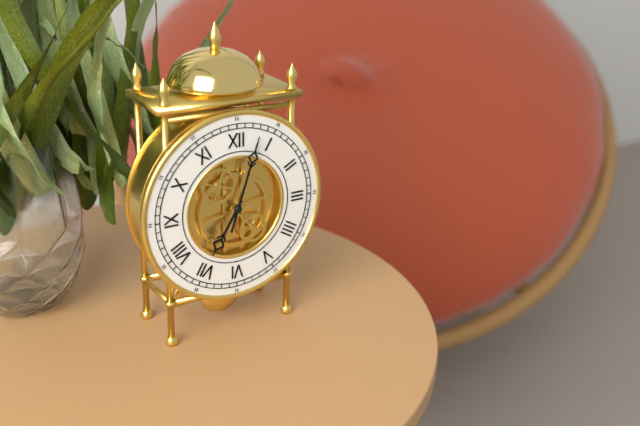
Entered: 7.03
